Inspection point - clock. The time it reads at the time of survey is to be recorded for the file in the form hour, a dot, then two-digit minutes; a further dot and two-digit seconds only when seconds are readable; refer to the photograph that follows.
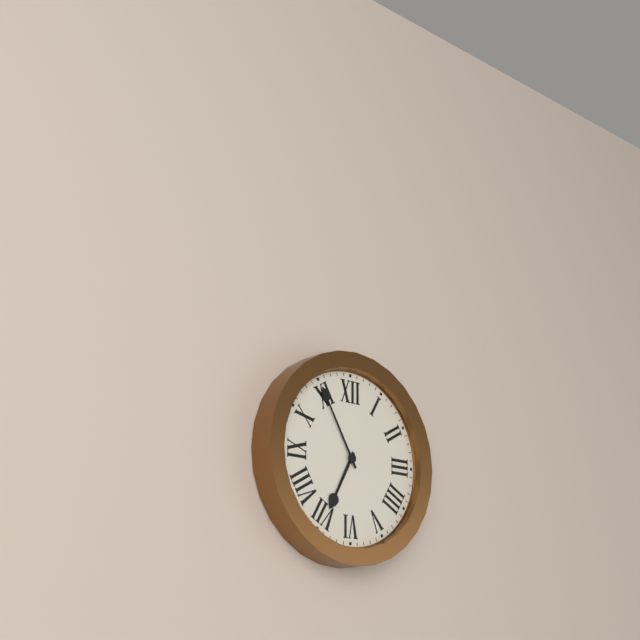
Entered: 6.55
